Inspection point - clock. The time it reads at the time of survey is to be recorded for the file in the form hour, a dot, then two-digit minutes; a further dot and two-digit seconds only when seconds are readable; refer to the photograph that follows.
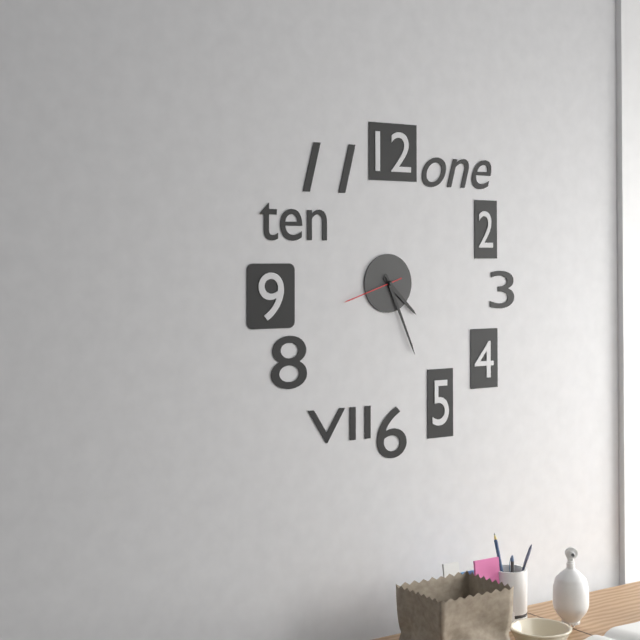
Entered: 4.26.42
